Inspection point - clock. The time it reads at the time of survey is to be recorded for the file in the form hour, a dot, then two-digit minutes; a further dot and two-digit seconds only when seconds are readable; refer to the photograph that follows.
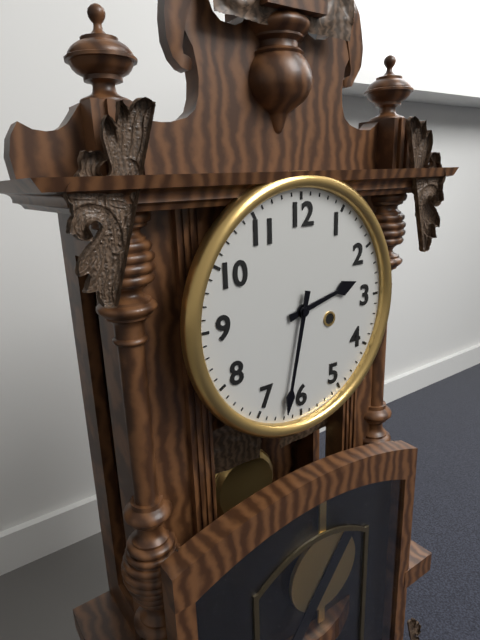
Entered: 2.32
